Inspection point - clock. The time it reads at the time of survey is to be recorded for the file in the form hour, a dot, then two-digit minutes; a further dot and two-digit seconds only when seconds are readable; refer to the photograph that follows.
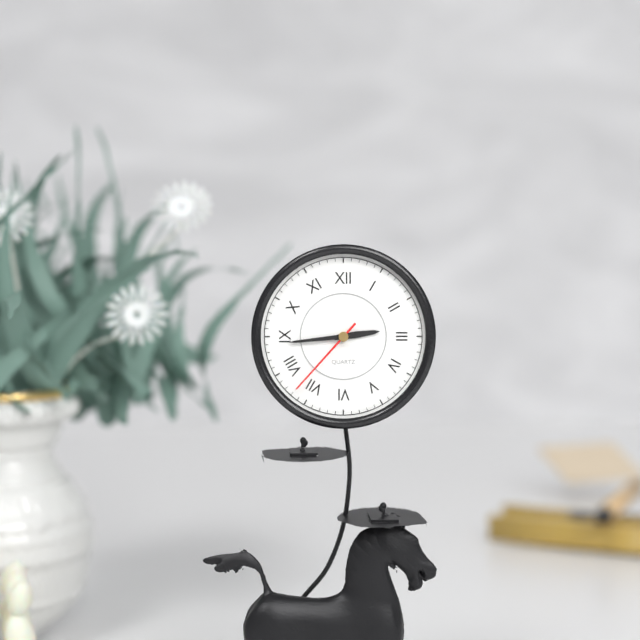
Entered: 2.44.37
